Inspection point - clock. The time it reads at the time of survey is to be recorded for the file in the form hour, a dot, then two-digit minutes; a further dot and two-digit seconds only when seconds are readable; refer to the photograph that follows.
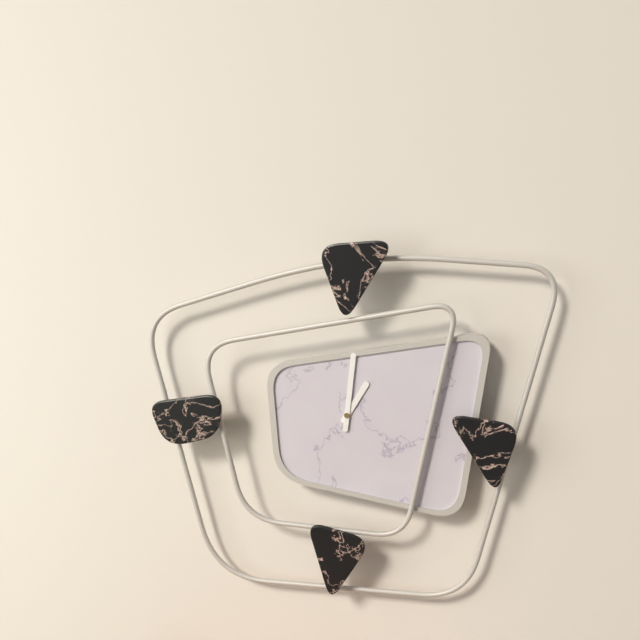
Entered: 1.01
